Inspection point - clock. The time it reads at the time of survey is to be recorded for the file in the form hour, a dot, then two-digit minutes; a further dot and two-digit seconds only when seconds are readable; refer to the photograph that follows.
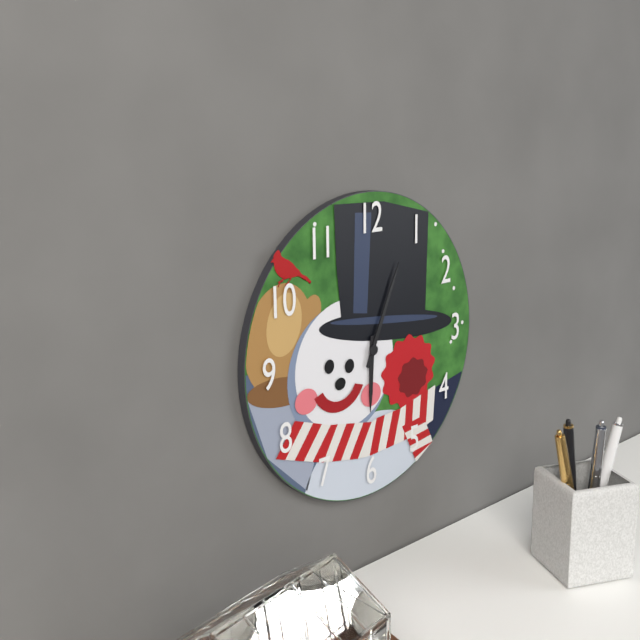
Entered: 6.04
